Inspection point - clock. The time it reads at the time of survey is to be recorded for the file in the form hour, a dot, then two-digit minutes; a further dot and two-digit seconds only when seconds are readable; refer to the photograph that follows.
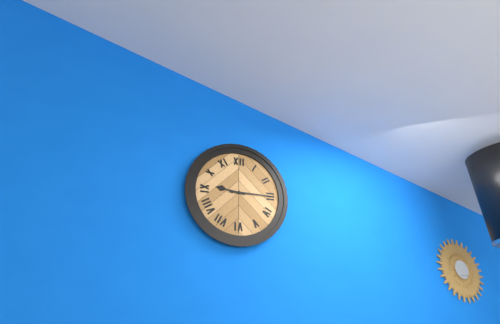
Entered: 9.15
